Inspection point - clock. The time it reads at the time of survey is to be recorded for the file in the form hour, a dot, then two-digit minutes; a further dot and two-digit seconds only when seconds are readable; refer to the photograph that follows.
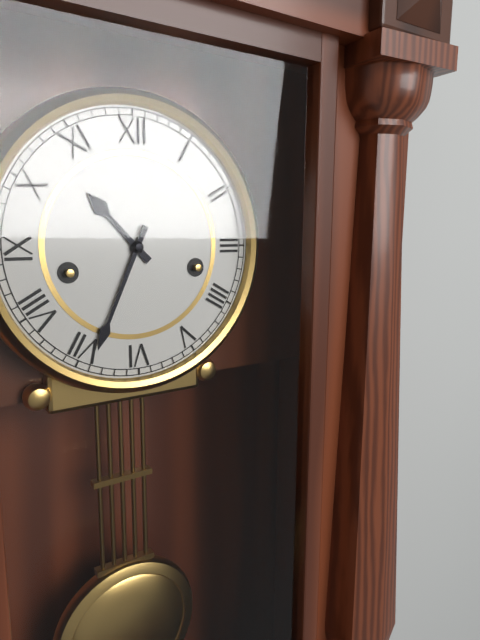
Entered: 10.34
